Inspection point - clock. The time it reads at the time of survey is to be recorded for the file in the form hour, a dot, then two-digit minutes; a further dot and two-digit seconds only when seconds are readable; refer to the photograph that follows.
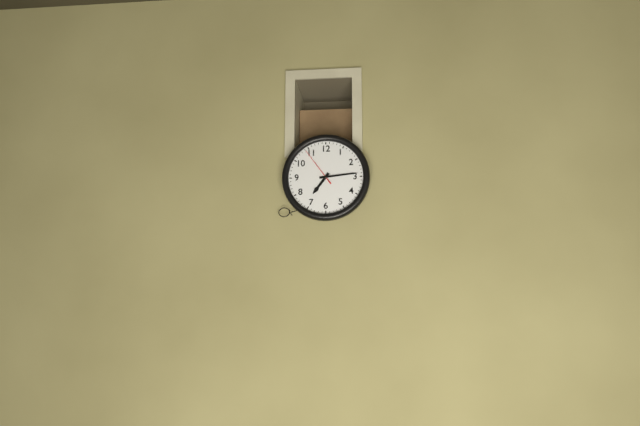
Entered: 7.14
